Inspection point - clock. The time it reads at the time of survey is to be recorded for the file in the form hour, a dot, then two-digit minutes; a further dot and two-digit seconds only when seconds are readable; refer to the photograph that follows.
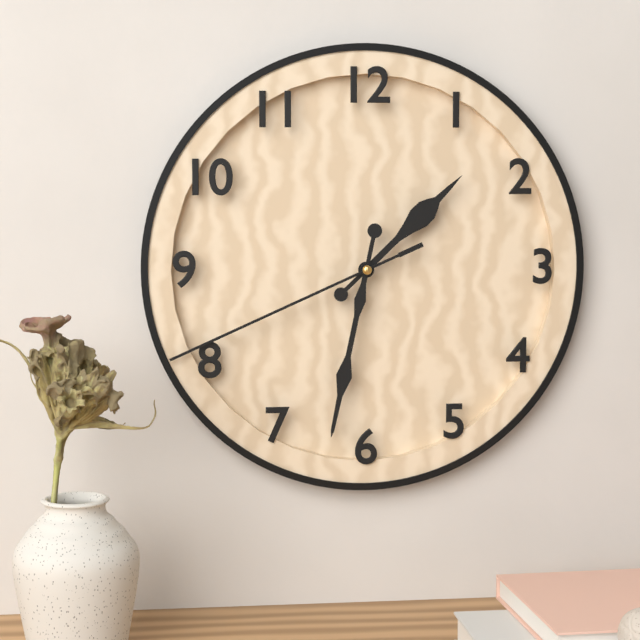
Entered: 1.32.41
